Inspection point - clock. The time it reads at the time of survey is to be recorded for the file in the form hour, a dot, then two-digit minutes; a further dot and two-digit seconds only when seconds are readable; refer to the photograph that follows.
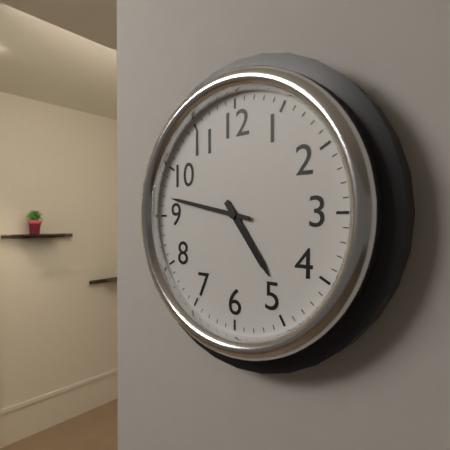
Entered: 4.47
